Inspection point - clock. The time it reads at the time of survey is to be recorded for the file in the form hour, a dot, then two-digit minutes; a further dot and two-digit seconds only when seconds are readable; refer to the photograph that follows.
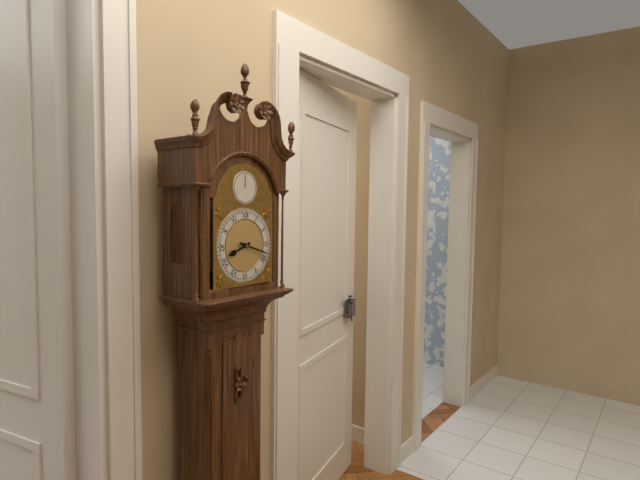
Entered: 8.18
